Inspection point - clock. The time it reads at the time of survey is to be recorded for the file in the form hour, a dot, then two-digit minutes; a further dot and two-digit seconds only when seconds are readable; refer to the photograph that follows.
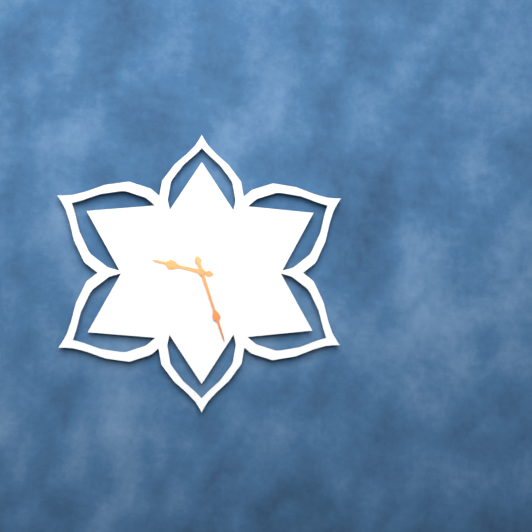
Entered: 9.27
